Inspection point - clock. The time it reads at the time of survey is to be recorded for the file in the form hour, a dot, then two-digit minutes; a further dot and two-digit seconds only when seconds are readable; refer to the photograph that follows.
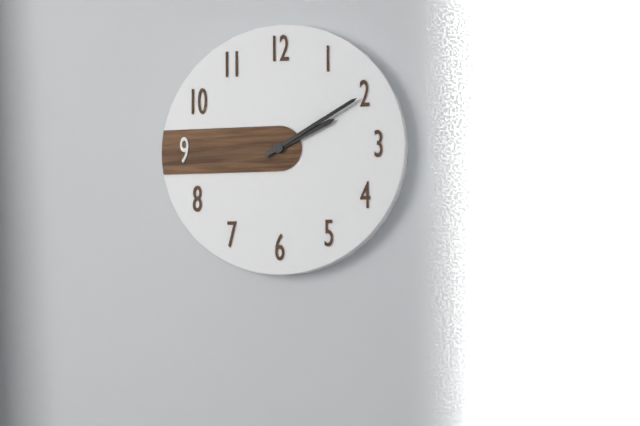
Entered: 2.10
